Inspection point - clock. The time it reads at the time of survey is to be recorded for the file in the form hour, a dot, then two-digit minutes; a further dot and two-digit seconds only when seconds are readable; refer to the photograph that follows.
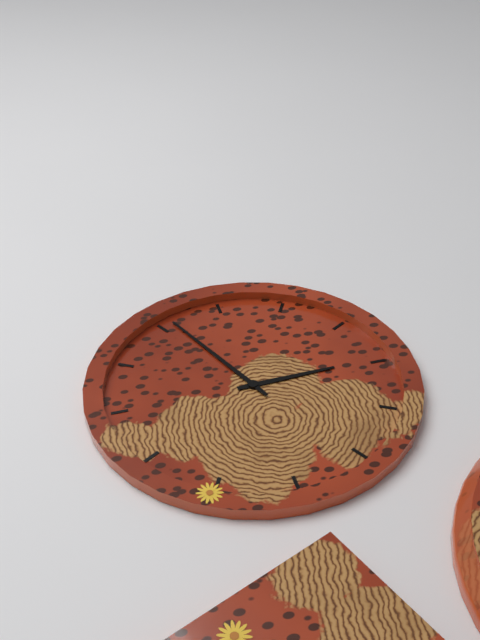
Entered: 2.56
